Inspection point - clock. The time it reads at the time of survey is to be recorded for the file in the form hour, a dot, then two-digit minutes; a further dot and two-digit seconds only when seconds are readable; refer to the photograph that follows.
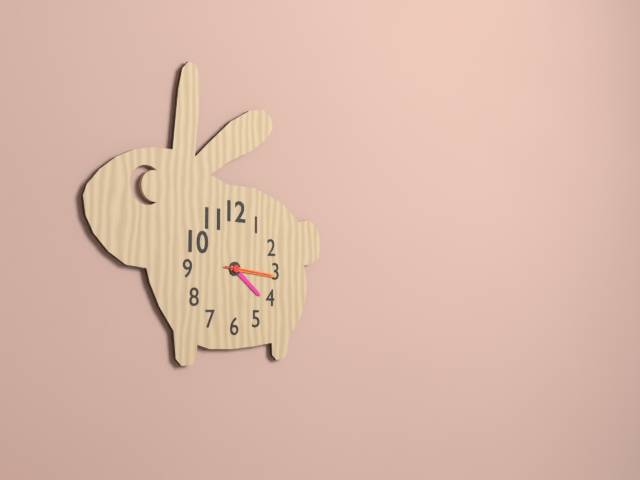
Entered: 4.16
